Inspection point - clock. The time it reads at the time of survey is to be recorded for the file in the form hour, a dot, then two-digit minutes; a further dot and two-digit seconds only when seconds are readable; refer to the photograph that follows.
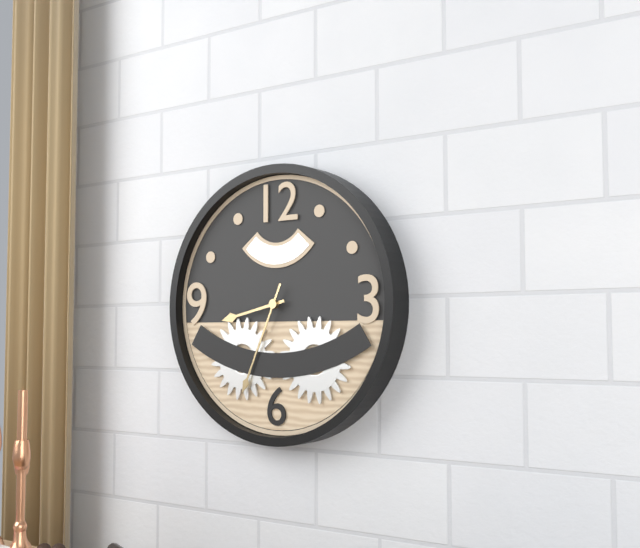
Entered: 8.34
